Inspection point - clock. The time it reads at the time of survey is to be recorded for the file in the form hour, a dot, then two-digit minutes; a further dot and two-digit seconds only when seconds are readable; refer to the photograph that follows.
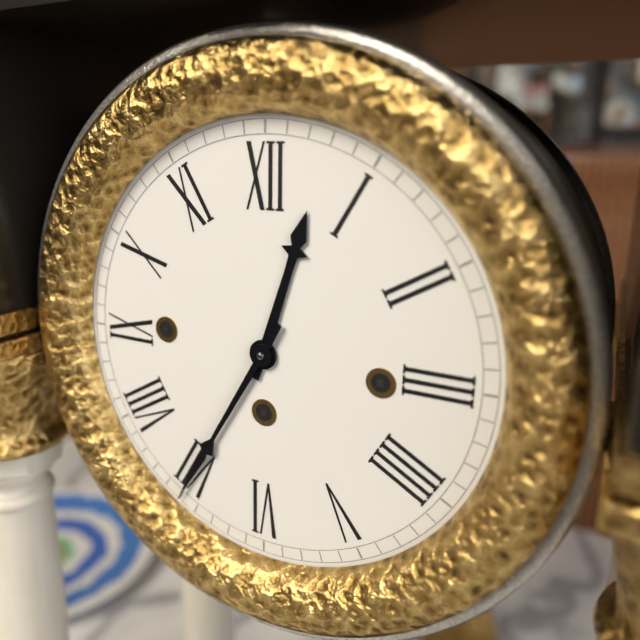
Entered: 12.35
